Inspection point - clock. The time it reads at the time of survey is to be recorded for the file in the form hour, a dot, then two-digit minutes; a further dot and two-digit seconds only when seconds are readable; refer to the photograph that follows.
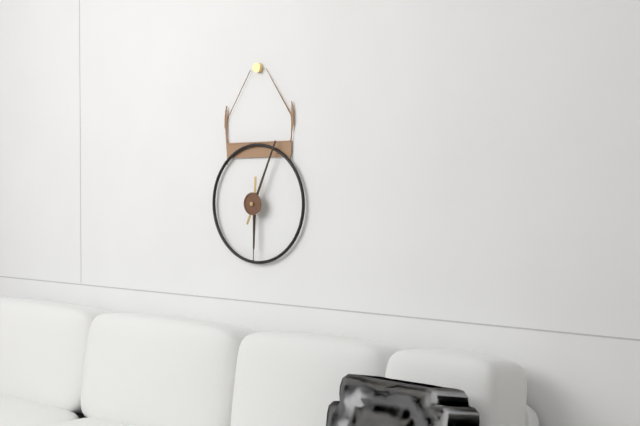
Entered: 6.04.30
